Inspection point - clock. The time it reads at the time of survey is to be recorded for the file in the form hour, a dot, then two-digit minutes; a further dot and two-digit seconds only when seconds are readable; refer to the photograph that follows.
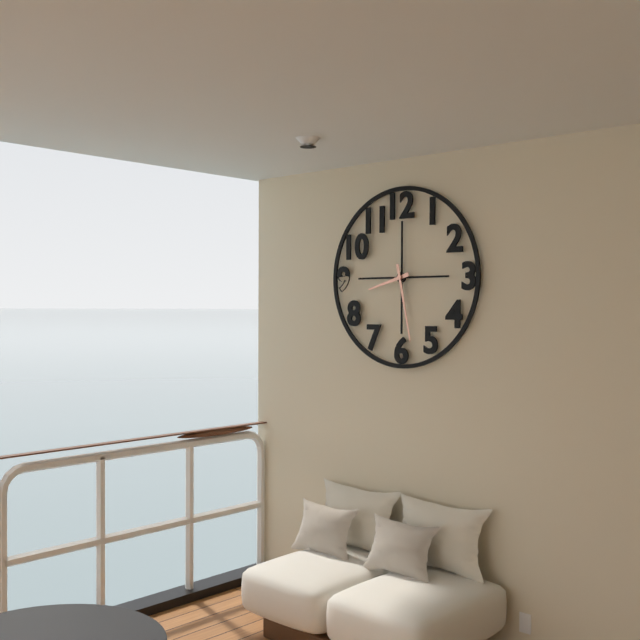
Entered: 8.28
